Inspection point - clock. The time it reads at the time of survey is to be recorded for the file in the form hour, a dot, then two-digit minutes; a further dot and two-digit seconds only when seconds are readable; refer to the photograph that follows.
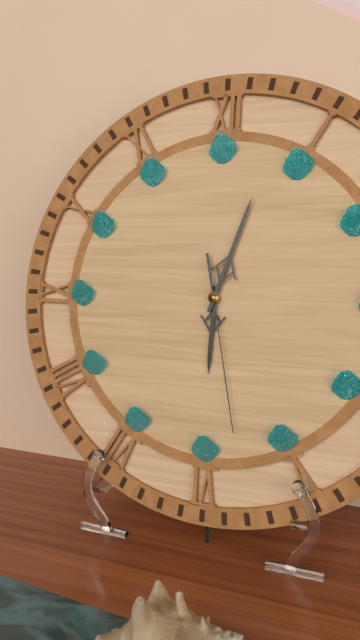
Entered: 6.03.28
